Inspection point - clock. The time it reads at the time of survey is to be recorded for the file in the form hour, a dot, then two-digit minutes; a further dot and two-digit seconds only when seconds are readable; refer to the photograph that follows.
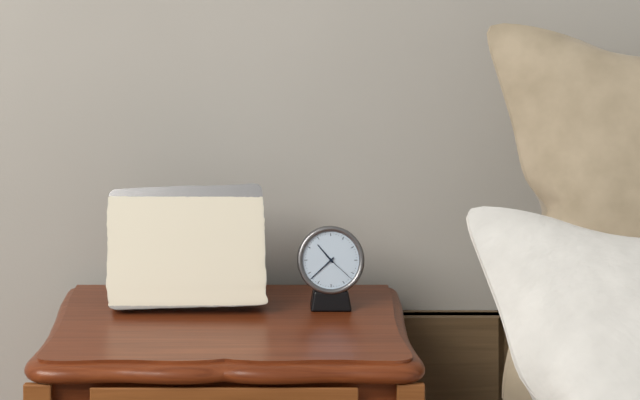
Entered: 10.38
